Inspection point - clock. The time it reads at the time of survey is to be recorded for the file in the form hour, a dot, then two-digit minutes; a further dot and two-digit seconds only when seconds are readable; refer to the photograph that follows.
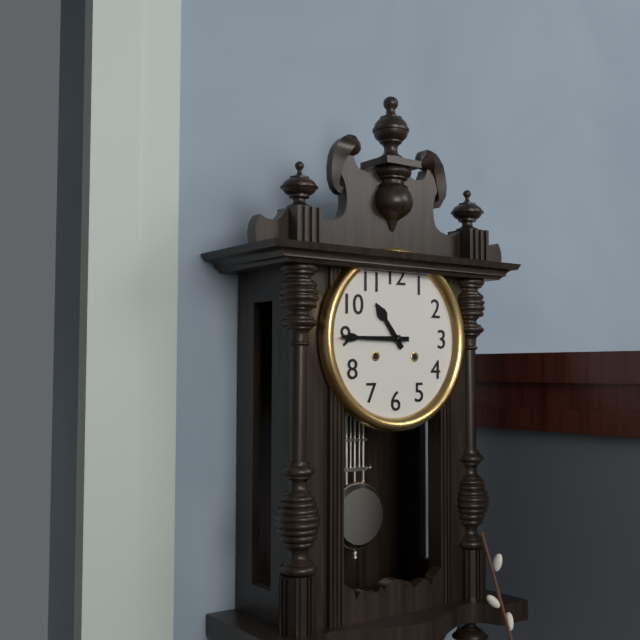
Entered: 10.45
